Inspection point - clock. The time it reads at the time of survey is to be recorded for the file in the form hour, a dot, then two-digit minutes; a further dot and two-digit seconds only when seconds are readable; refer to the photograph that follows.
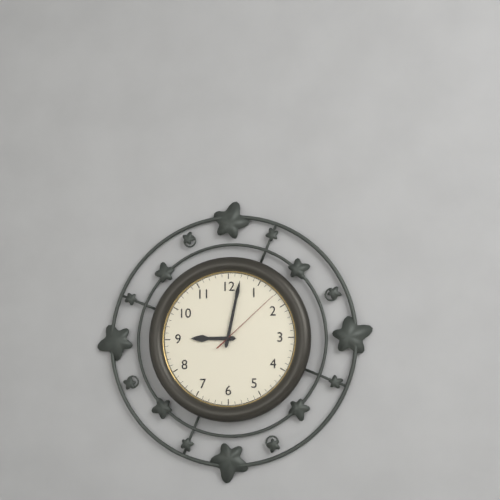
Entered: 9.02.08
